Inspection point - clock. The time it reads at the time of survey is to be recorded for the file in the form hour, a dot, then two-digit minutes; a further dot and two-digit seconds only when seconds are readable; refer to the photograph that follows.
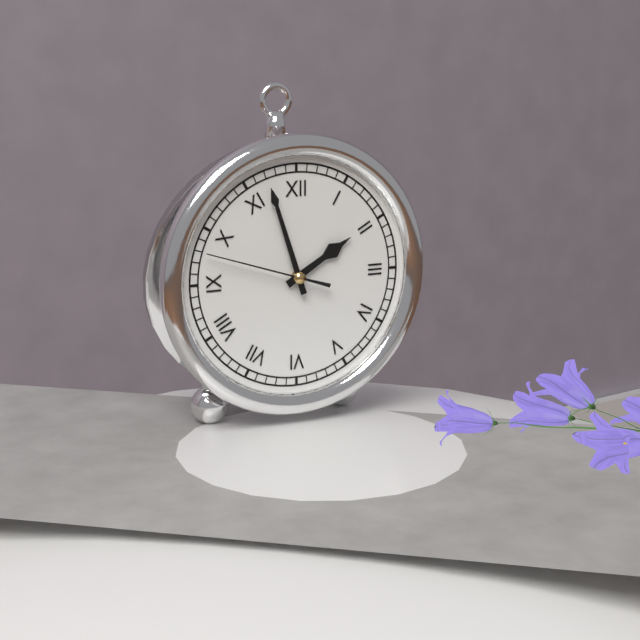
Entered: 1.57.48
